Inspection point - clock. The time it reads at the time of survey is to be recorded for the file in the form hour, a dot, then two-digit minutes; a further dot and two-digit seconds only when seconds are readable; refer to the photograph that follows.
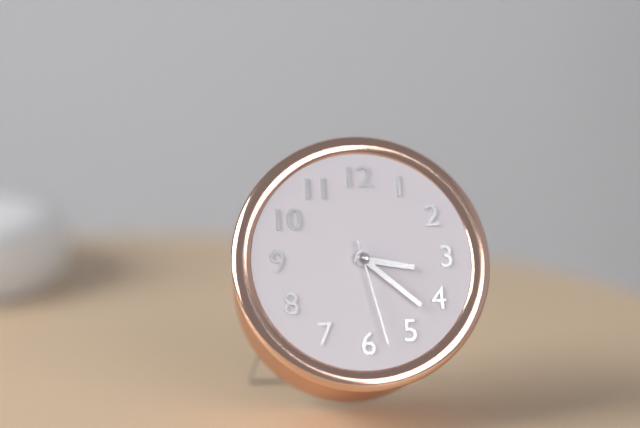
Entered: 3.22.28
